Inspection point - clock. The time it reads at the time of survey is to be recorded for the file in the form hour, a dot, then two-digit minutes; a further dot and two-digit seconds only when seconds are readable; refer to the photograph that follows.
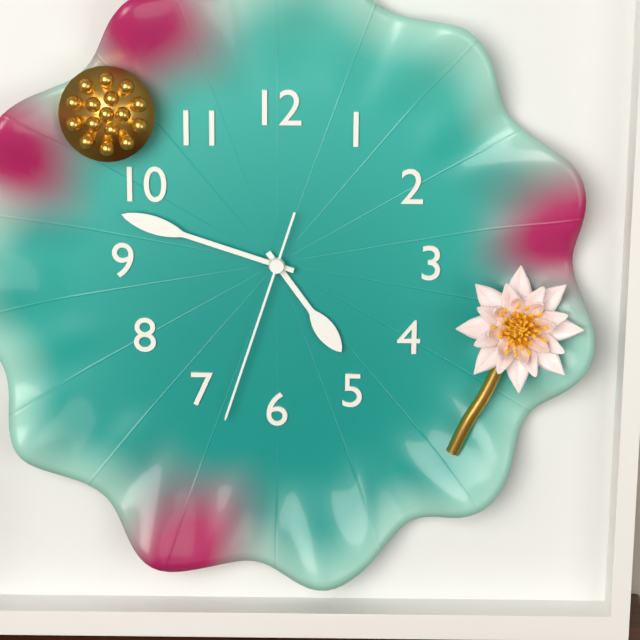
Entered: 4.48.33
